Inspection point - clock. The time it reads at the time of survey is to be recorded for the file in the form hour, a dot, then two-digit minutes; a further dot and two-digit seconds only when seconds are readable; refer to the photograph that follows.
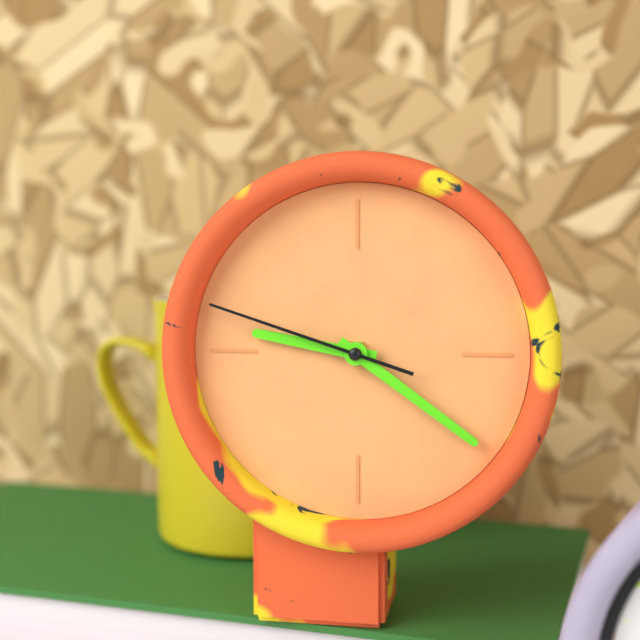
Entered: 9.21.48
